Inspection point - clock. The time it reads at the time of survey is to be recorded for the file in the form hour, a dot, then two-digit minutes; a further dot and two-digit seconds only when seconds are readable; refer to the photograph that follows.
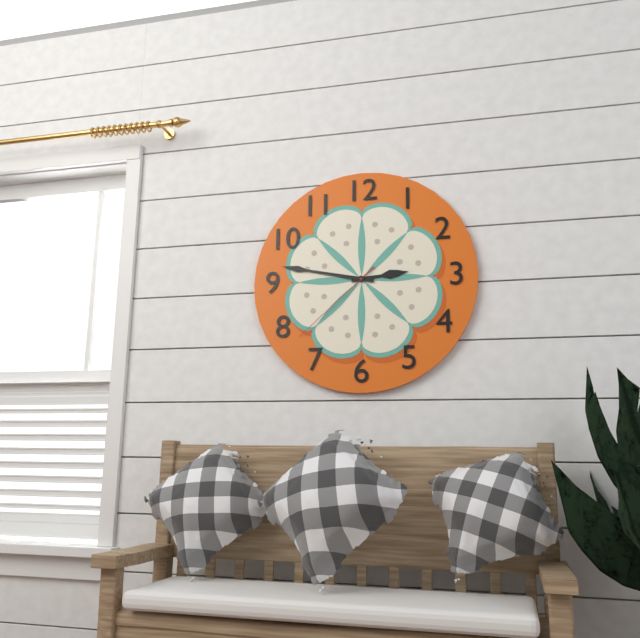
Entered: 2.47.38
